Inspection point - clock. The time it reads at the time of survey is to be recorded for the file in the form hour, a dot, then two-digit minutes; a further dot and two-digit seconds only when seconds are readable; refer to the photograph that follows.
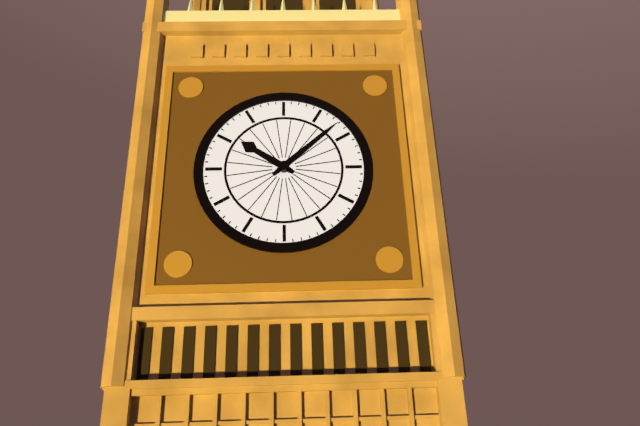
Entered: 10.08
